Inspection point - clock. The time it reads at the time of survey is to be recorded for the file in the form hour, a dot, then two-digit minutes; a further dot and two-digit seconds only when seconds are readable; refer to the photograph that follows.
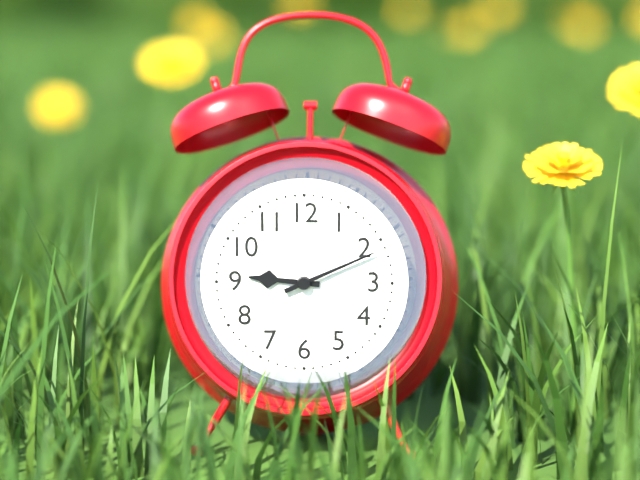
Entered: 9.11
